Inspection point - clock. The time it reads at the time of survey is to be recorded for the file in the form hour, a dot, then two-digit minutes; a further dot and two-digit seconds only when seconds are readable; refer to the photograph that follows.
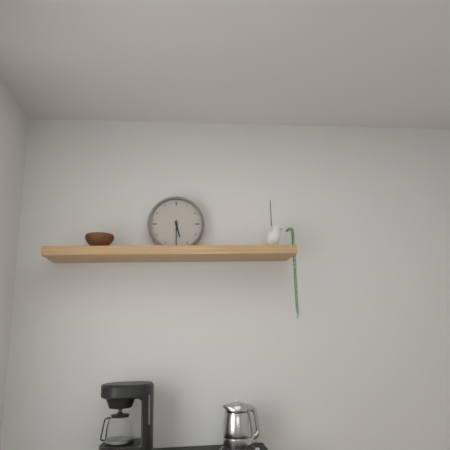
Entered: 5.30
